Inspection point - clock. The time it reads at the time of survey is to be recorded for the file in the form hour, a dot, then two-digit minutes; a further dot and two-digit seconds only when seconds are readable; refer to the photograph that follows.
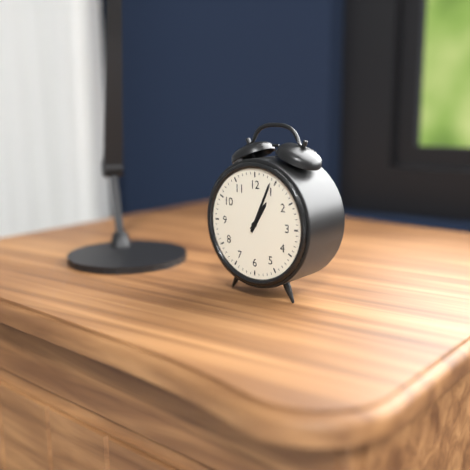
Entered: 1.04
